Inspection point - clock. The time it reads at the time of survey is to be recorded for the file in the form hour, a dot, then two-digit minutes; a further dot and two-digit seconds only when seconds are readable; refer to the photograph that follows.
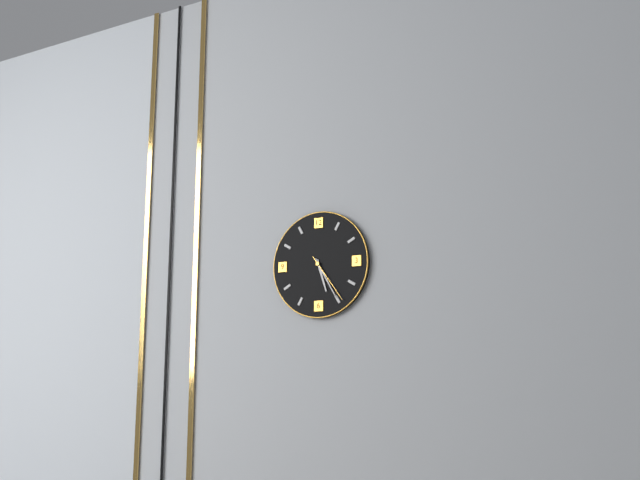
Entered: 5.25.24
